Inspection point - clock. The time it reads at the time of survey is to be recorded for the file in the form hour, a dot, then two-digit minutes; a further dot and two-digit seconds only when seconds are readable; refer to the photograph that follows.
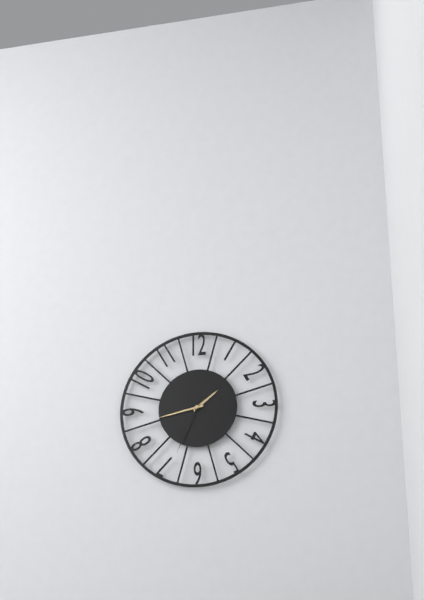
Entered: 1.43.34
